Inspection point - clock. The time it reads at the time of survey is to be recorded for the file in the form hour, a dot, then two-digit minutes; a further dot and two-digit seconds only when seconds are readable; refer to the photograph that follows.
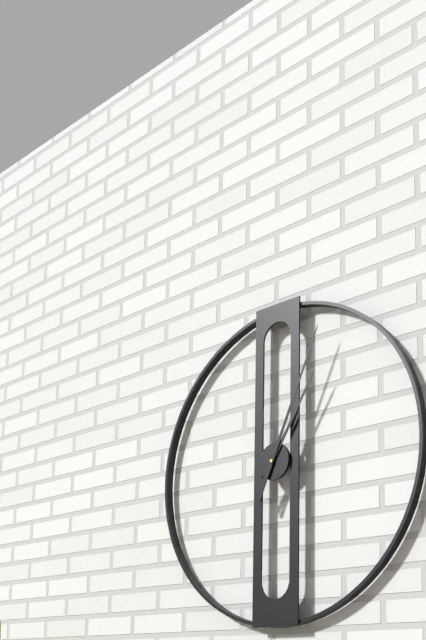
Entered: 1.04
